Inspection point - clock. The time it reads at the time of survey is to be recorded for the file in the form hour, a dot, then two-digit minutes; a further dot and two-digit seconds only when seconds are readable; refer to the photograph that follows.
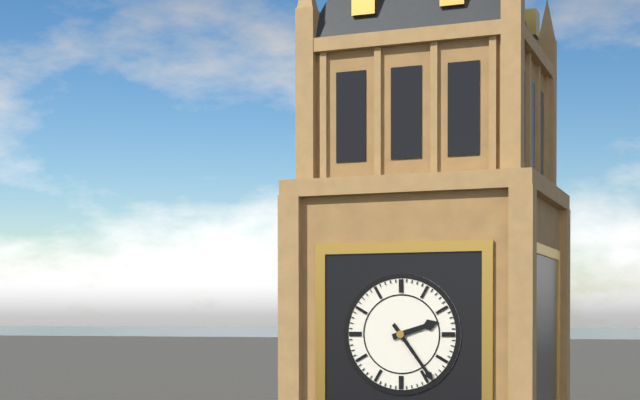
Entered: 2.24
